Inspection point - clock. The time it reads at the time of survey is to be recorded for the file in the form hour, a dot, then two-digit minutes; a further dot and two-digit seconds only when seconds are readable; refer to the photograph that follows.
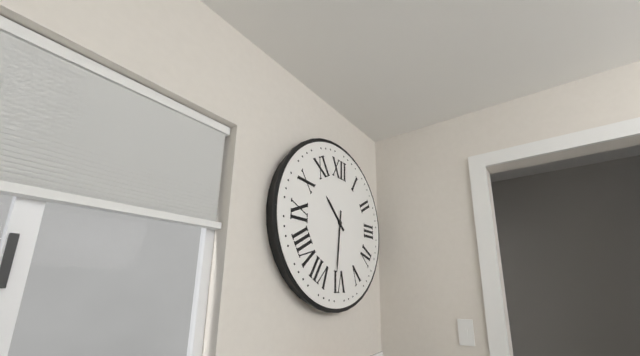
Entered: 10.31
